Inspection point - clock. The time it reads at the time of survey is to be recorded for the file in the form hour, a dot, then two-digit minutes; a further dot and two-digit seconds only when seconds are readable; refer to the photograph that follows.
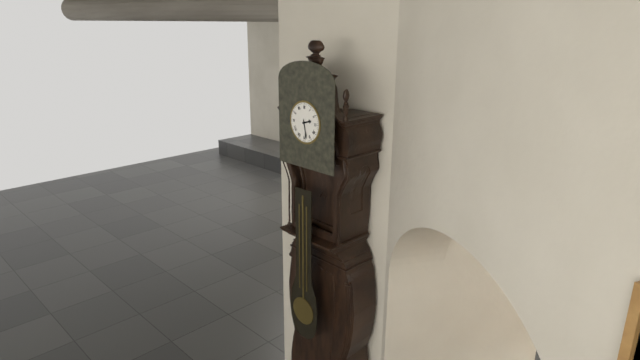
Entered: 2.28
